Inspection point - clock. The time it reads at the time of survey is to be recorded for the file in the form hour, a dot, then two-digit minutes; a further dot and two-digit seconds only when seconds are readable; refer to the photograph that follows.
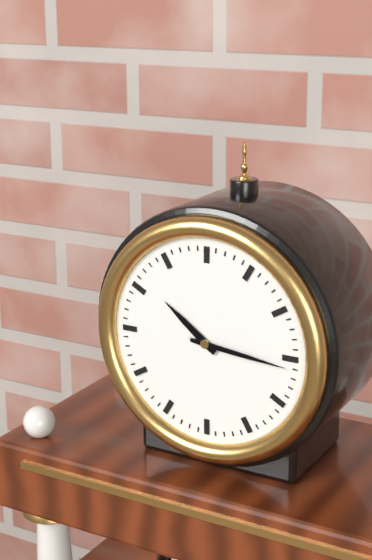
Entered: 10.16
